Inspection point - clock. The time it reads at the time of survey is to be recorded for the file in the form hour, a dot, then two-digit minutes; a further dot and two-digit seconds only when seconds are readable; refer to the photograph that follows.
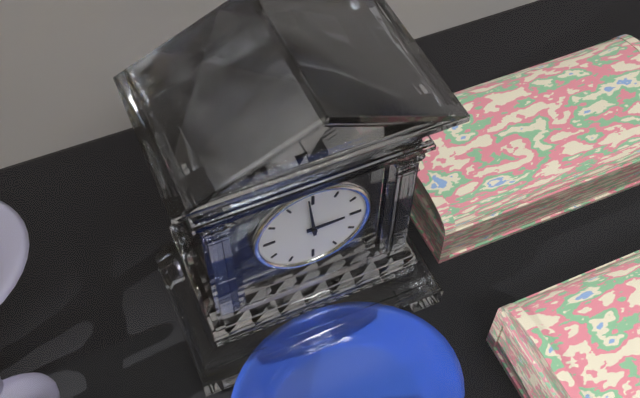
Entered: 2.59
